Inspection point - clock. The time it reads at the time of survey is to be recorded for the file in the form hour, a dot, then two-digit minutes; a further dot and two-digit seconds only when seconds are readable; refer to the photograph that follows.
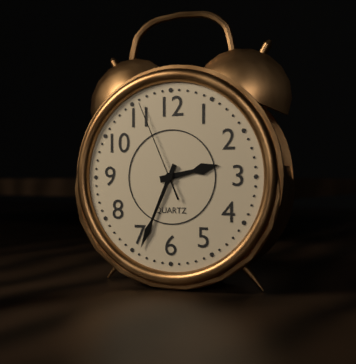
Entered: 2.34.56
